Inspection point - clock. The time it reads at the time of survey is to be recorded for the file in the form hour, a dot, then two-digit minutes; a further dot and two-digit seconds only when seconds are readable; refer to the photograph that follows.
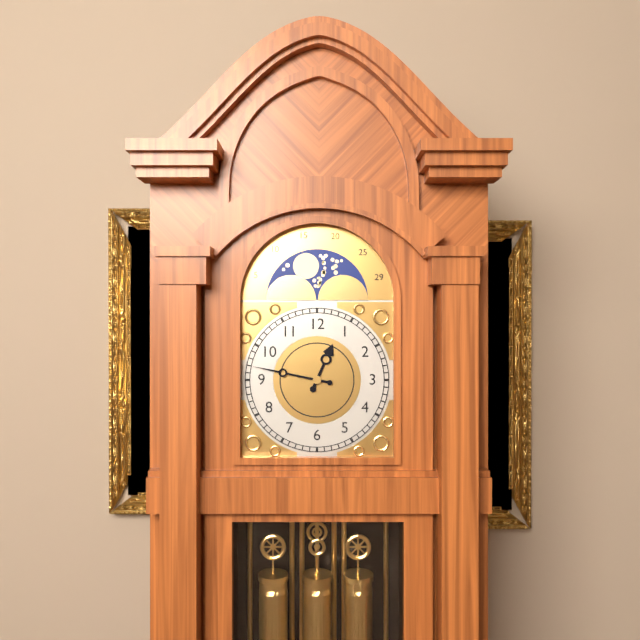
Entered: 12.47
